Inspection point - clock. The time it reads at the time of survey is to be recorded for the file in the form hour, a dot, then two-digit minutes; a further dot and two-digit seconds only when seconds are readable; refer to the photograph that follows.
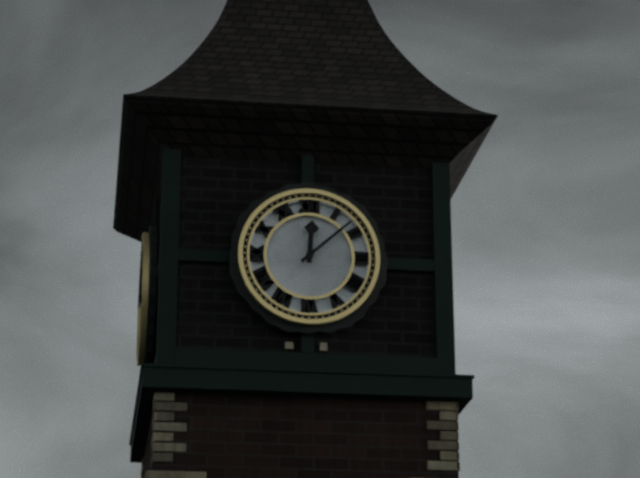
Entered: 12.08
